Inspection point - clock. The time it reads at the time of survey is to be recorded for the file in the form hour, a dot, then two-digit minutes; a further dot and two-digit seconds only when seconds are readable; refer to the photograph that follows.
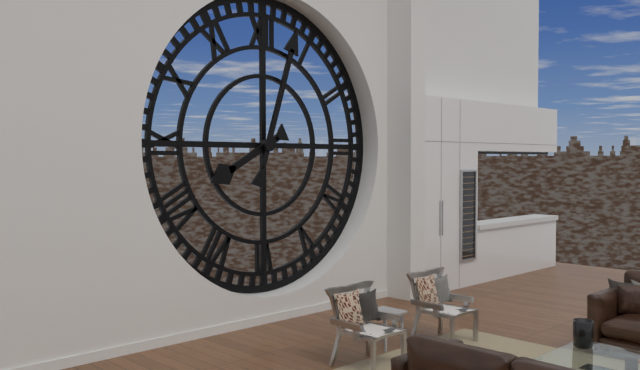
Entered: 8.03
